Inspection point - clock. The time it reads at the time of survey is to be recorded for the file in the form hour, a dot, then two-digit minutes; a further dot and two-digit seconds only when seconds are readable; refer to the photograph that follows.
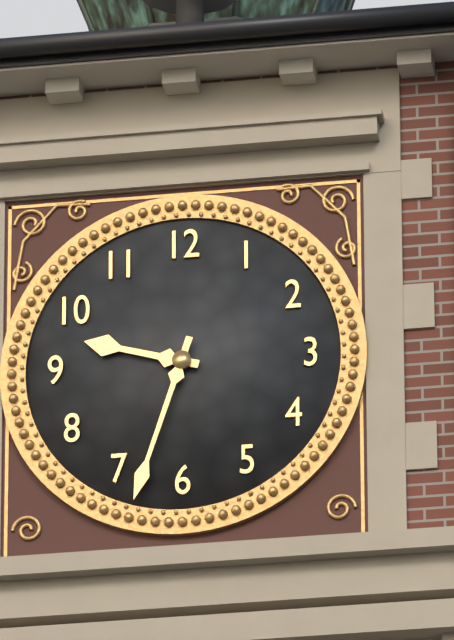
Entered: 9.33
